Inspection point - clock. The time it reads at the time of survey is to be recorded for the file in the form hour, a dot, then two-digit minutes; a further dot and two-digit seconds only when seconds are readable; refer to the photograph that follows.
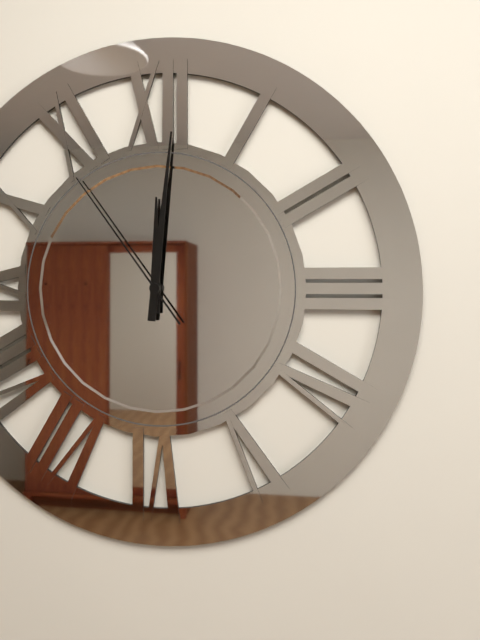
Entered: 12.01.54
